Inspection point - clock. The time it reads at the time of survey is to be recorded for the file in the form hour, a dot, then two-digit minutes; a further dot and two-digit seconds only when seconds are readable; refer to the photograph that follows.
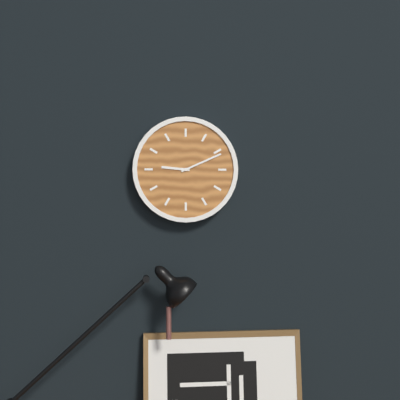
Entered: 9.11
